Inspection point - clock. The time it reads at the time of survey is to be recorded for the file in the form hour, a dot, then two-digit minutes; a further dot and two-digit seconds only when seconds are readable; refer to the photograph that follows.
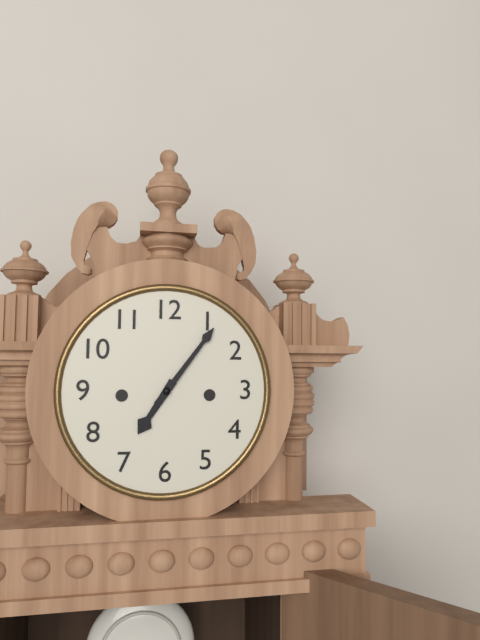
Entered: 7.06
